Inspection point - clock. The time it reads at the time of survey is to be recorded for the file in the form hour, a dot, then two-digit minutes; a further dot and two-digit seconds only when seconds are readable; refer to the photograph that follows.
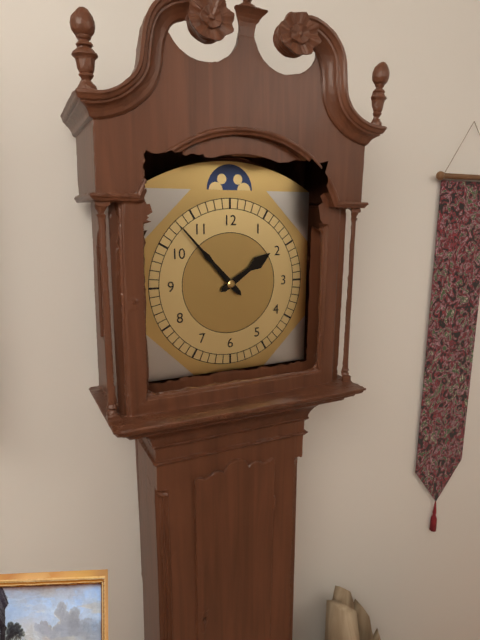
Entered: 1.53
